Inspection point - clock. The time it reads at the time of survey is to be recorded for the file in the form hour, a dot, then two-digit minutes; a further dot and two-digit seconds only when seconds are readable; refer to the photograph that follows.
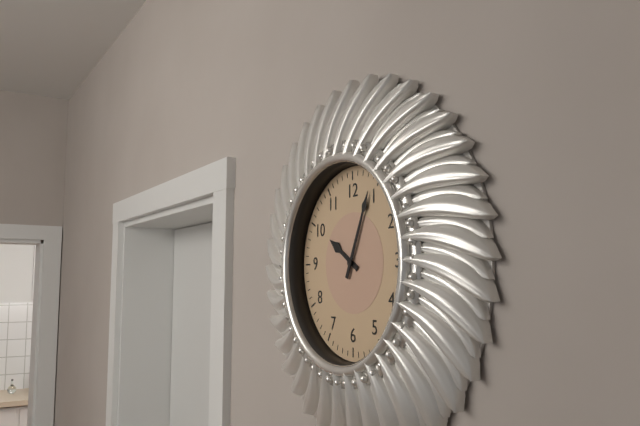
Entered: 10.04
